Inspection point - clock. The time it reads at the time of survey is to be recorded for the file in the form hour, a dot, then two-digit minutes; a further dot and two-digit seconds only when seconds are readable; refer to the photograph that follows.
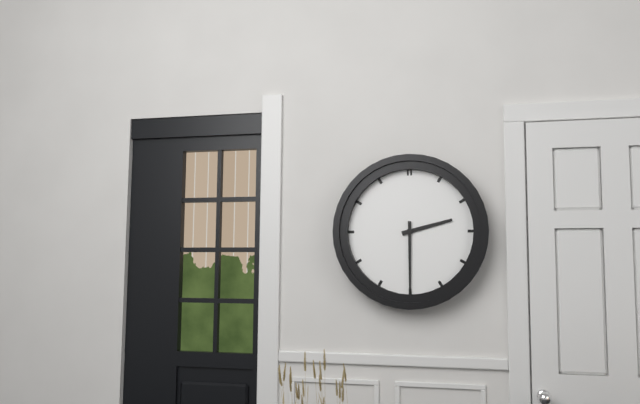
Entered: 2.30
